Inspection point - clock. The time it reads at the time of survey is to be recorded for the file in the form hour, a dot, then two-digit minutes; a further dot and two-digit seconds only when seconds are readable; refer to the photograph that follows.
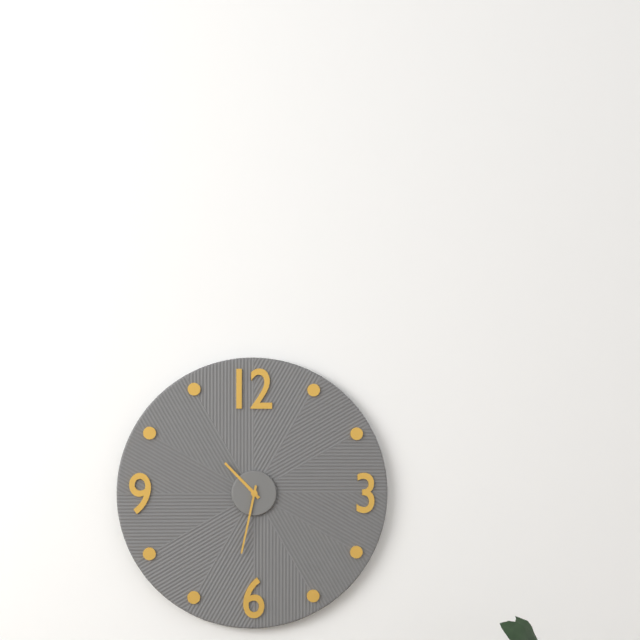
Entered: 10.32
